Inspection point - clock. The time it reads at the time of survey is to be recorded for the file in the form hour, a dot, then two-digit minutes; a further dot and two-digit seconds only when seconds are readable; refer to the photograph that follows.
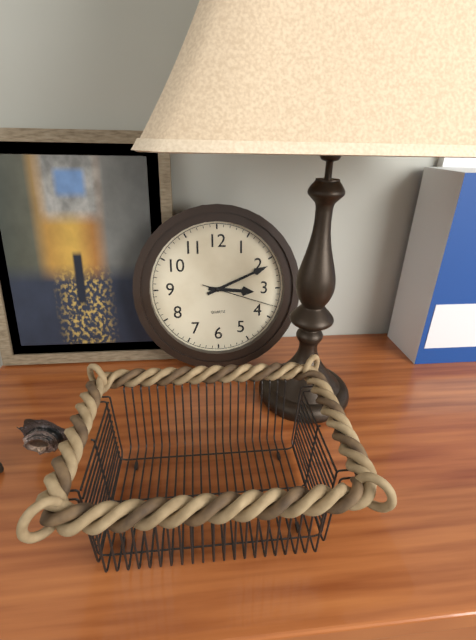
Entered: 3.11.18
